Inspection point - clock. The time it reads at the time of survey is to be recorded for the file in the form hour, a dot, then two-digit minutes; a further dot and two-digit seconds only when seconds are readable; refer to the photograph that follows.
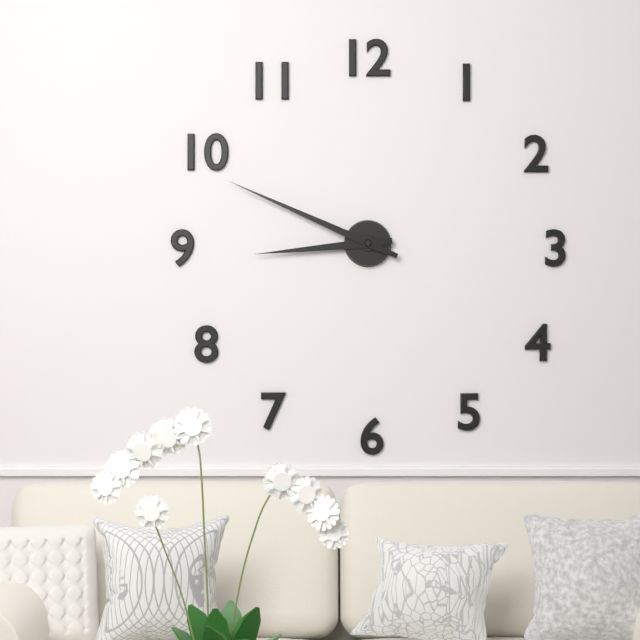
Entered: 8.49
